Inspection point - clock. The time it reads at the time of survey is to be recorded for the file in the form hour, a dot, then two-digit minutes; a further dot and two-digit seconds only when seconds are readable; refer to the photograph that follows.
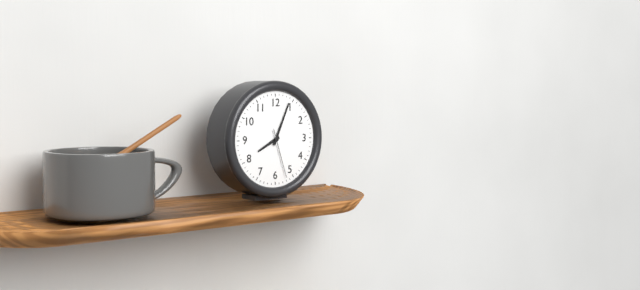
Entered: 8.04.27
